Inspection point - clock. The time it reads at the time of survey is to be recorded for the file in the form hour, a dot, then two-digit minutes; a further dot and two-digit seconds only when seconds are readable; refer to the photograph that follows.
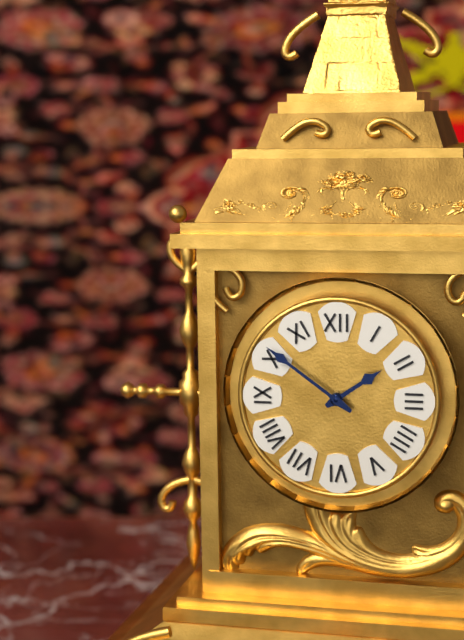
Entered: 1.51
